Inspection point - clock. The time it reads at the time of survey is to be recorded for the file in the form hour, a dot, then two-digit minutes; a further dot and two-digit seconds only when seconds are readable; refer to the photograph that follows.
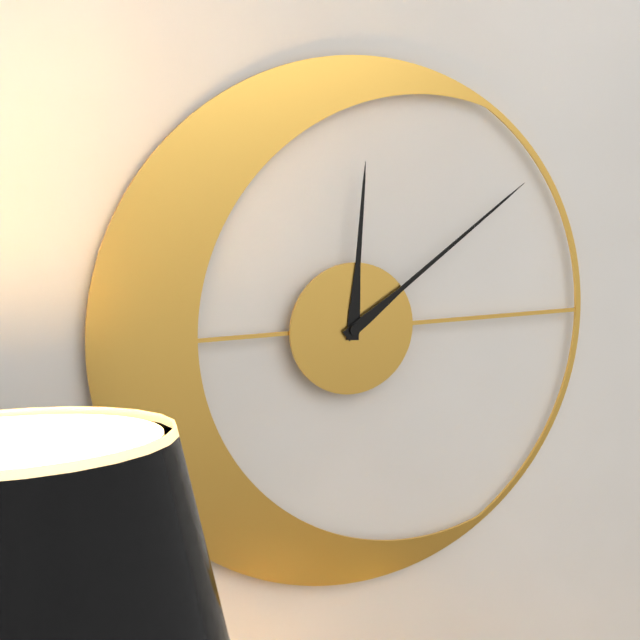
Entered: 12.09
